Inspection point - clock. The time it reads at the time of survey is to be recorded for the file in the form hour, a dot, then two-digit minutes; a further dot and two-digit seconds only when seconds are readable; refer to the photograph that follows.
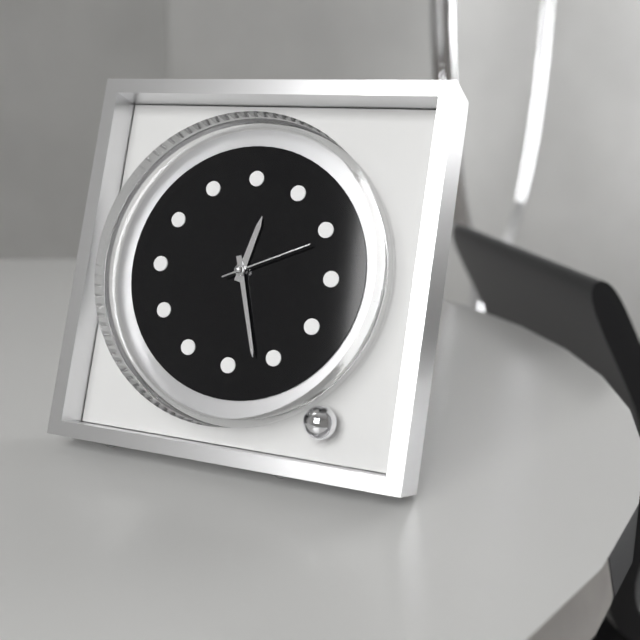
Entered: 12.27.11
